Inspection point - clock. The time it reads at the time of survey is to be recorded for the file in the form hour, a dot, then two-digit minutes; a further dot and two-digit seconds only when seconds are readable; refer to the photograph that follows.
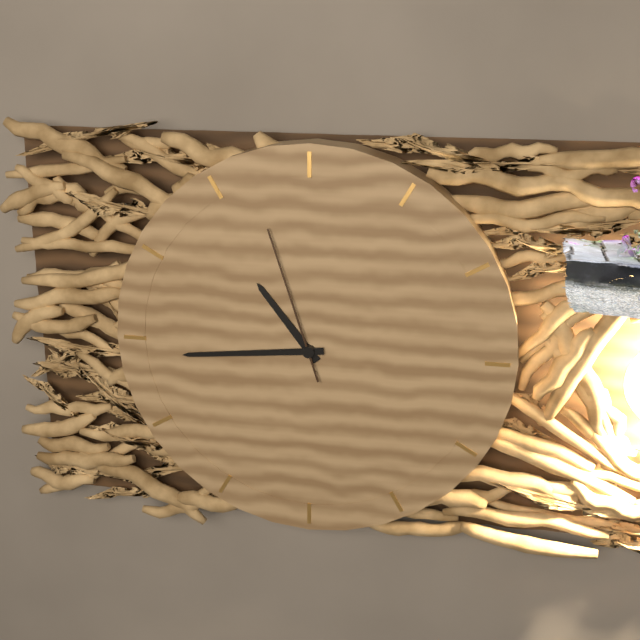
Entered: 10.44.57
